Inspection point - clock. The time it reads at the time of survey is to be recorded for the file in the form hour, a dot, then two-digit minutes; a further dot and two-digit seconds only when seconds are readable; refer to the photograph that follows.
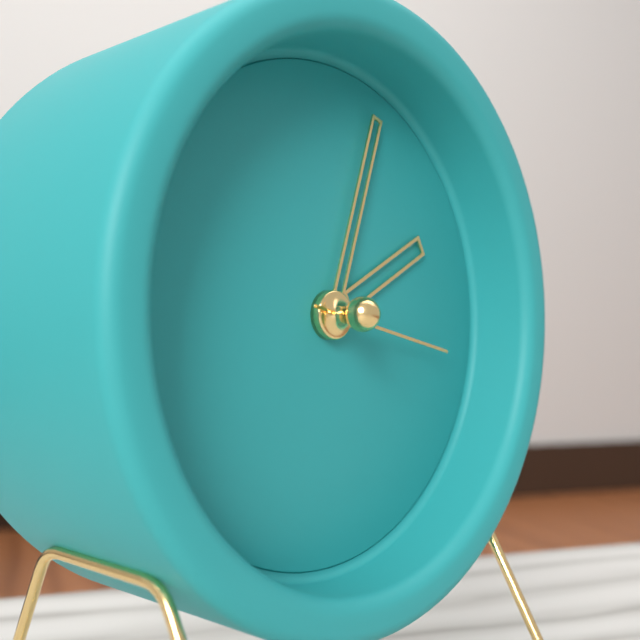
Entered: 2.03.17
